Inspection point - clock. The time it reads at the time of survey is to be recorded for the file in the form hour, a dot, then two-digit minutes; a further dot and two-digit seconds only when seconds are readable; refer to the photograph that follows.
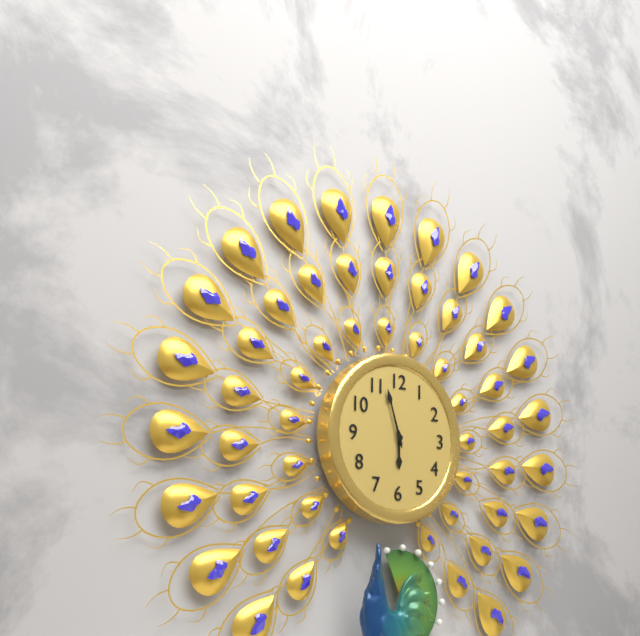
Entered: 5.57
